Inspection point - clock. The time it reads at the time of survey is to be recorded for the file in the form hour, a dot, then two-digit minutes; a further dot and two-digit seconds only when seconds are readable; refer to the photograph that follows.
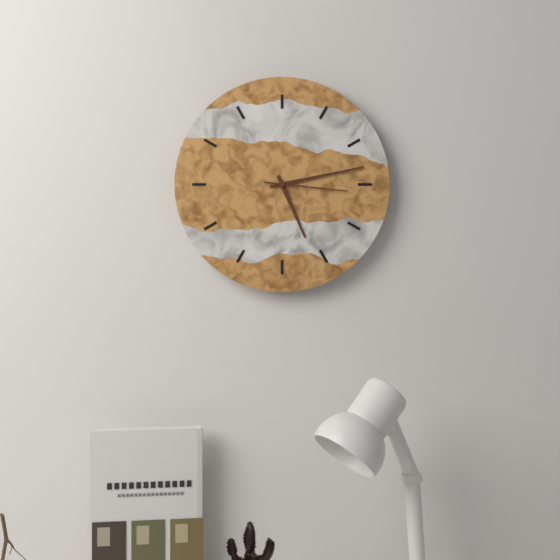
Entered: 5.13.16
